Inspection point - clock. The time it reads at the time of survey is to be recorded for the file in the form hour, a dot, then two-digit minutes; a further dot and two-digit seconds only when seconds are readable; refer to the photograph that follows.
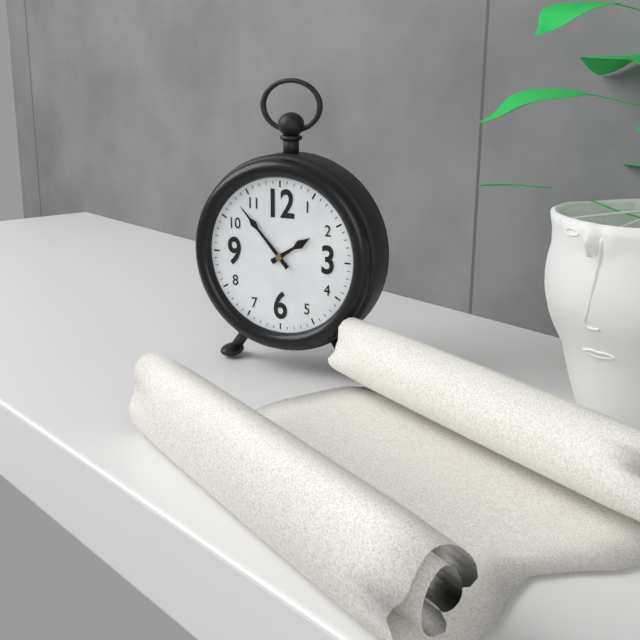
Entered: 1.53
